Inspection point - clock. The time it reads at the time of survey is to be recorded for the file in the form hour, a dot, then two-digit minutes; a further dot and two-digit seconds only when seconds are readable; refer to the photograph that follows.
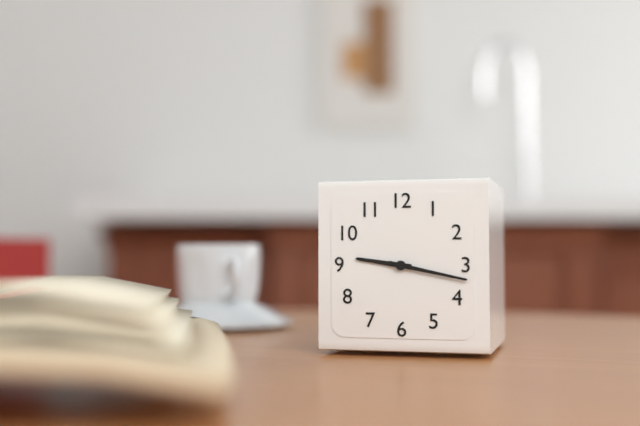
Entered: 9.17
